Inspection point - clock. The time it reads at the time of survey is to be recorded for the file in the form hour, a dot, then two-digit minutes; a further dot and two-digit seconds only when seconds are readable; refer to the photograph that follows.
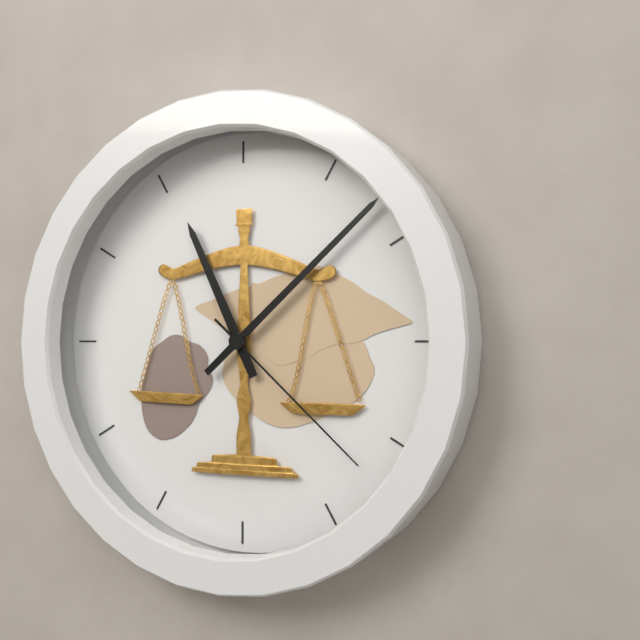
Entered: 11.08.22
